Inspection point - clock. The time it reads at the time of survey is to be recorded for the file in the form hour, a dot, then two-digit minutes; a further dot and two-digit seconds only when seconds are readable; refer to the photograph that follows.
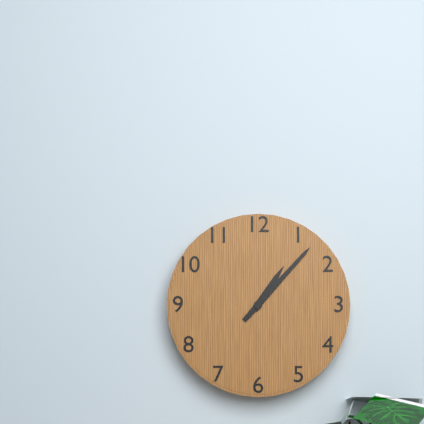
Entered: 1.07
